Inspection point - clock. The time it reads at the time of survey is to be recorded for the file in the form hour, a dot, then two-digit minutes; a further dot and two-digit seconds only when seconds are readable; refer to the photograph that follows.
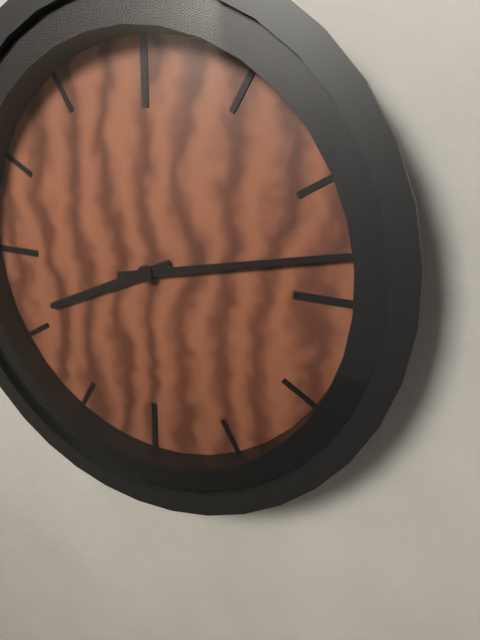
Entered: 8.13
